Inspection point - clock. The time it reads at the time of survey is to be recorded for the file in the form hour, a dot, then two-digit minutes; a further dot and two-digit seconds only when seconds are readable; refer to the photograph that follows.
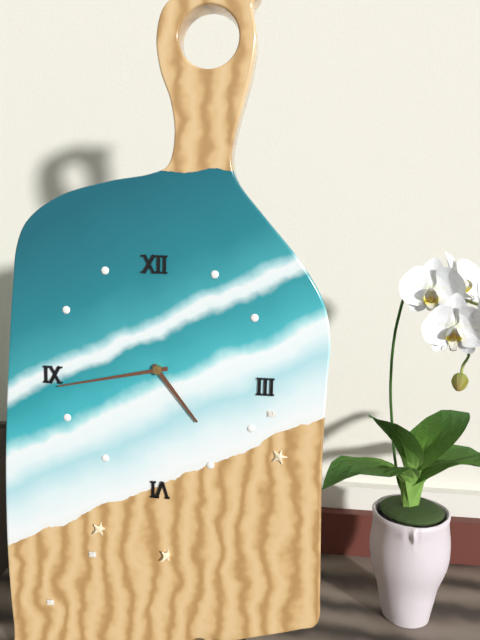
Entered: 4.43
